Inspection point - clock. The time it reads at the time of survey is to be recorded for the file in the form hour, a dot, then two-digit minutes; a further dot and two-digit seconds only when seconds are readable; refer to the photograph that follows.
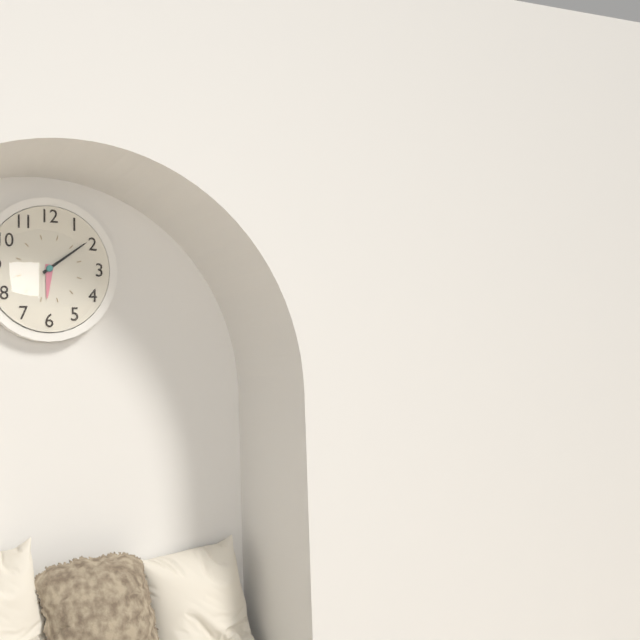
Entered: 6.09
